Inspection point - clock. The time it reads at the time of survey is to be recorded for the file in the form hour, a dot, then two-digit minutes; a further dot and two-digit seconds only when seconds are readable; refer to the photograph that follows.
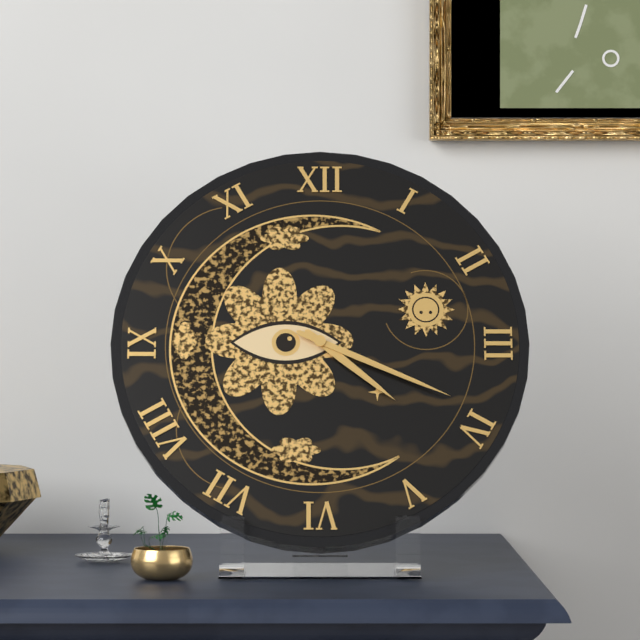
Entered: 4.19
